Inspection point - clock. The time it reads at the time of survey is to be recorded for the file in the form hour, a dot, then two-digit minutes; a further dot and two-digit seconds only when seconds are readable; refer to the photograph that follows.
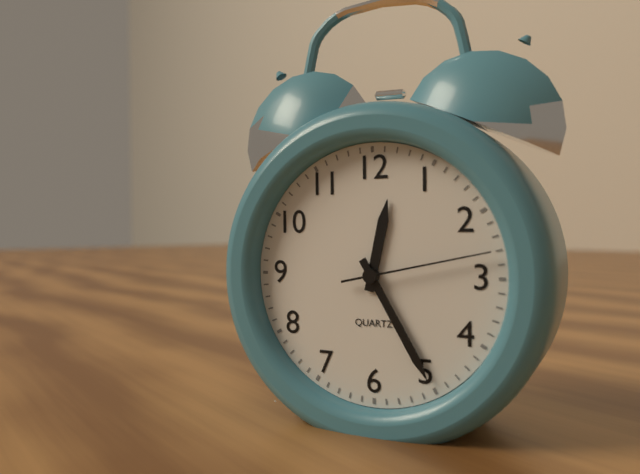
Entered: 12.25.13
